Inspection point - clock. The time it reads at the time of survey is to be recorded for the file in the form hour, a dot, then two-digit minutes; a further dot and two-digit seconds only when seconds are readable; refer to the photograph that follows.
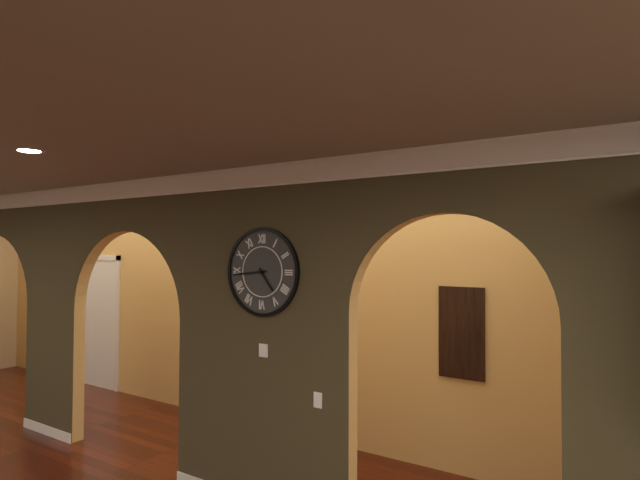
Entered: 4.44
